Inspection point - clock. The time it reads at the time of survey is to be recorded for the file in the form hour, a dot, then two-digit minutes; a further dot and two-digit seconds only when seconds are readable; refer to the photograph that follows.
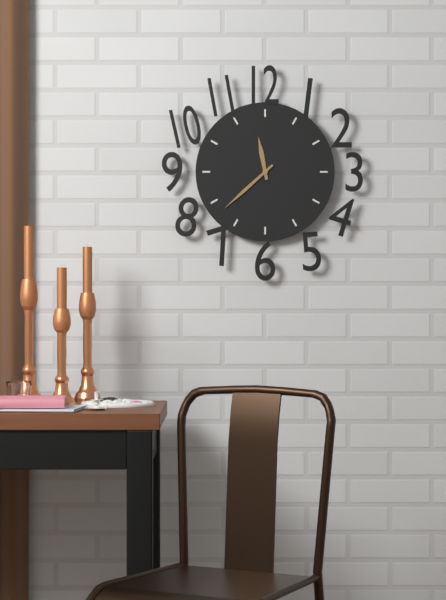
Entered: 11.38
